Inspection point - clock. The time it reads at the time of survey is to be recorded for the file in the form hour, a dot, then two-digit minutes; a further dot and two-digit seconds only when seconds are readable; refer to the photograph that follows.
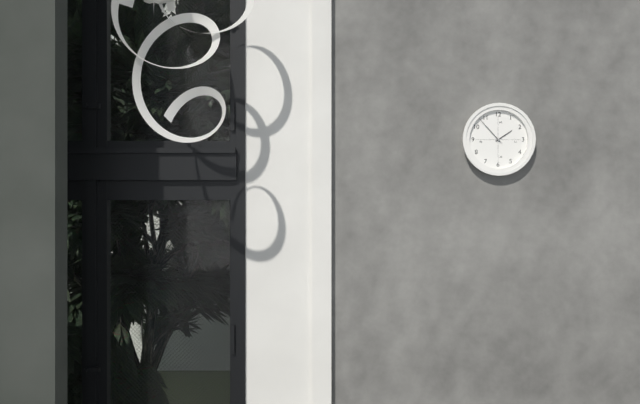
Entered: 1.53
